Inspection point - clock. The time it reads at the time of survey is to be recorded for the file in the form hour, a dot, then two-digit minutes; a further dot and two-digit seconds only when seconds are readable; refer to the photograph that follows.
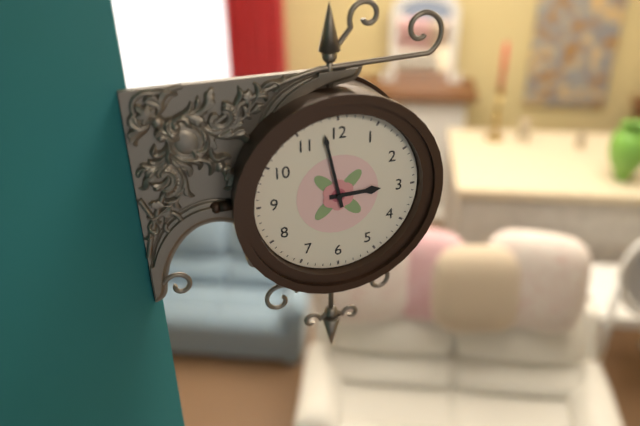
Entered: 2.58
